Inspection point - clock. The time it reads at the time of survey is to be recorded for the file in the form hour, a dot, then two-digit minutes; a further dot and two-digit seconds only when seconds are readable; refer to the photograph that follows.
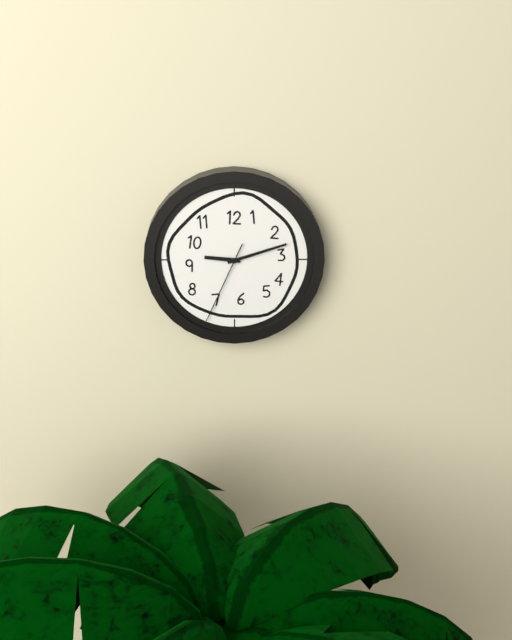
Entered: 9.12.34
